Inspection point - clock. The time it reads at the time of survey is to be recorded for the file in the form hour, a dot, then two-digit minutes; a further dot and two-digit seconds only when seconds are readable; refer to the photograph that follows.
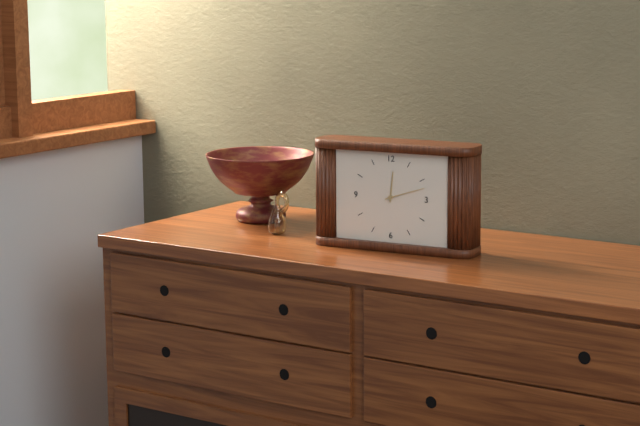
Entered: 12.12
